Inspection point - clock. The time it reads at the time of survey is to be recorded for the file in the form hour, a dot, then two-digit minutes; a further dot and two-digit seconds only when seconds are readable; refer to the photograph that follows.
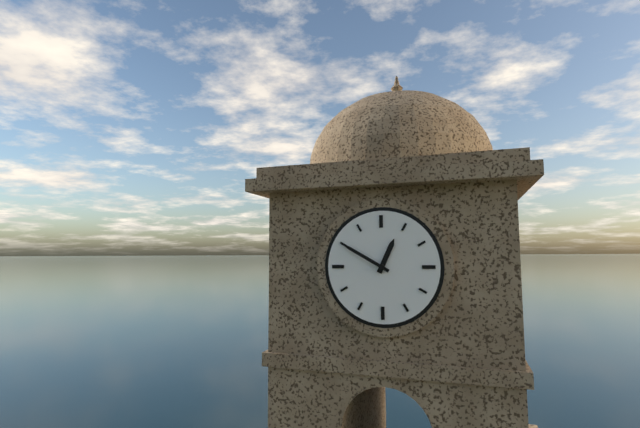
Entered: 12.50
